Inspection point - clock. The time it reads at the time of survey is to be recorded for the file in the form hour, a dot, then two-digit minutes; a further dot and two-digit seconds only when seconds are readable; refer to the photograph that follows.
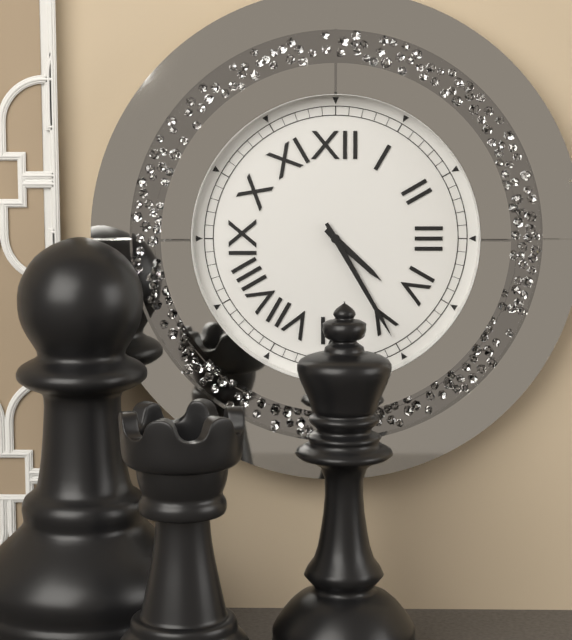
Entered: 4.25
